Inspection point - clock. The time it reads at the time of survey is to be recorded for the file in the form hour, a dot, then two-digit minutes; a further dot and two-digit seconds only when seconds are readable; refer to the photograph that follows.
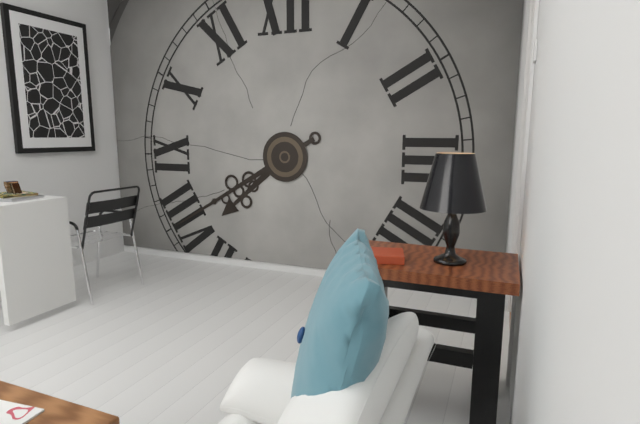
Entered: 7.40
